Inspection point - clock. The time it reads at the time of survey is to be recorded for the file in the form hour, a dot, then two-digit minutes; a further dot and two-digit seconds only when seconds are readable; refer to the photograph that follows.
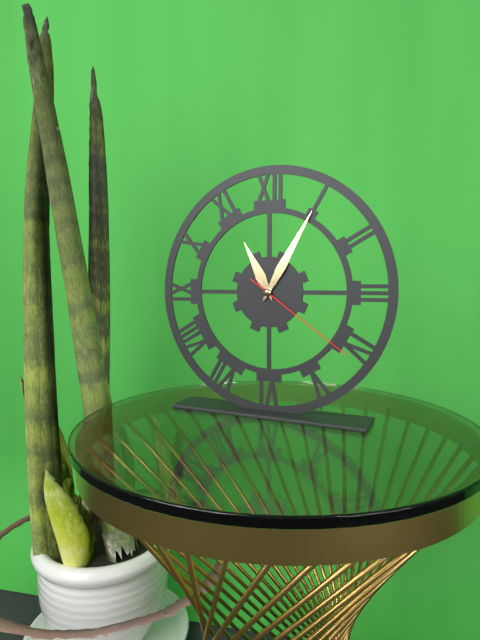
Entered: 11.05.21
